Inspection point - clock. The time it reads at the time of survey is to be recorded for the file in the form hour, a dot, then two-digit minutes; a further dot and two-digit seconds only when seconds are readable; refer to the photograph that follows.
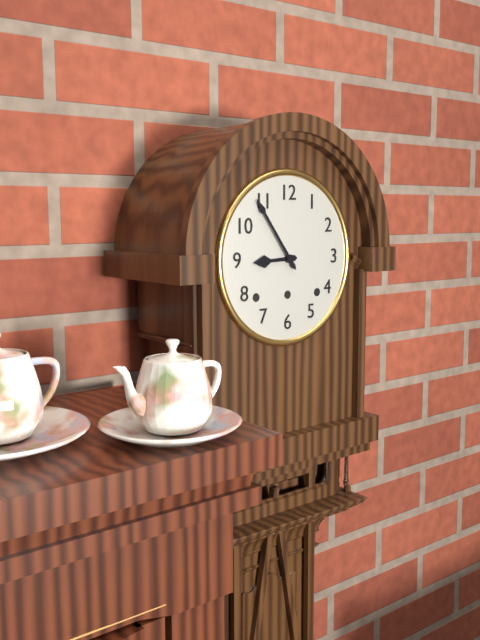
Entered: 8.54
